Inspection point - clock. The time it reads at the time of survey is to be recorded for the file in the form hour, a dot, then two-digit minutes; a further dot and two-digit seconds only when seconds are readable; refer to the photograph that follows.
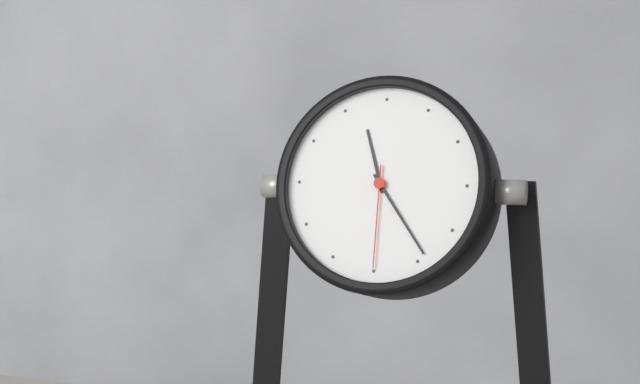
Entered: 11.24.30
